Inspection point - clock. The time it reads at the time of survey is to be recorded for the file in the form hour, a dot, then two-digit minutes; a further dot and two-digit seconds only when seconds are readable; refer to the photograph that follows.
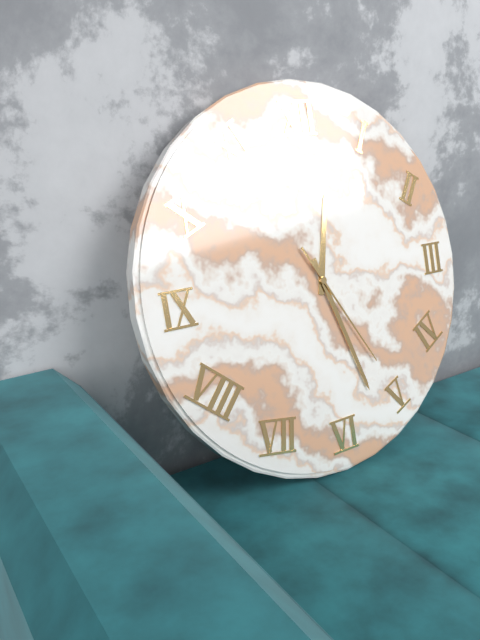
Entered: 12.27.25
